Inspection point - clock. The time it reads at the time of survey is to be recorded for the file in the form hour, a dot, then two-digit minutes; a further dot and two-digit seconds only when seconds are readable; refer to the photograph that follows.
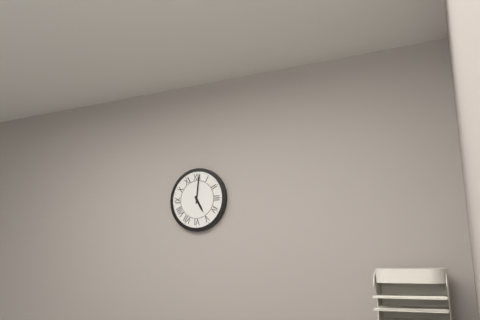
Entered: 5.01
